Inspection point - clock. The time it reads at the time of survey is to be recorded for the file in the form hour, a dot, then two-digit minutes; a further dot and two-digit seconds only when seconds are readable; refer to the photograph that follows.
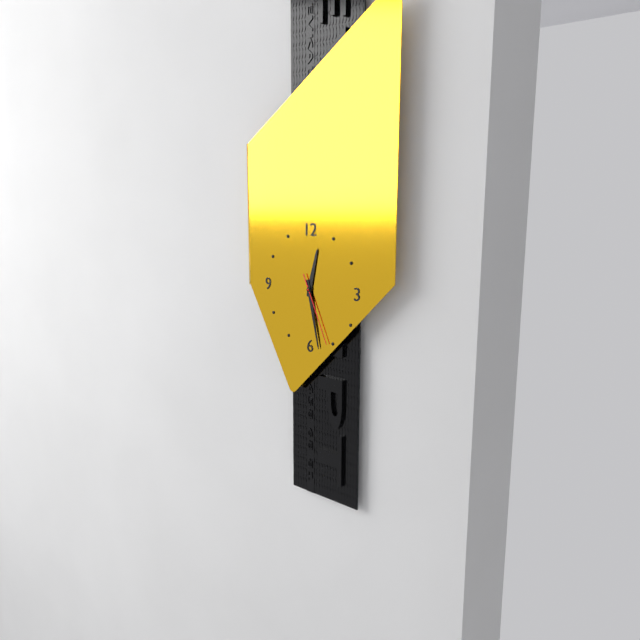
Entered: 12.28.26
